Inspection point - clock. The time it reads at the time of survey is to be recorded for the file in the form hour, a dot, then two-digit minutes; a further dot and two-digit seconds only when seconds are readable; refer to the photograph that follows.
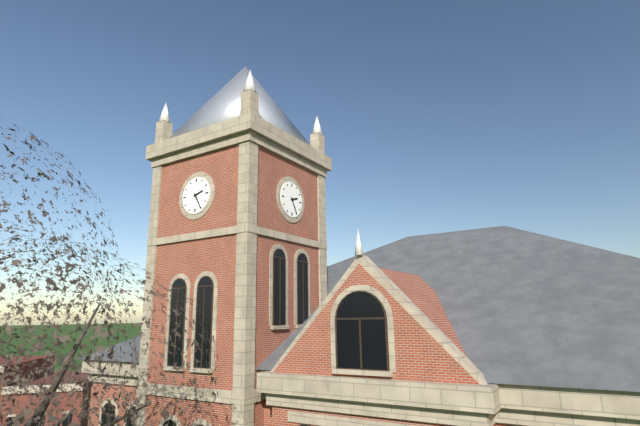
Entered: 2.25
